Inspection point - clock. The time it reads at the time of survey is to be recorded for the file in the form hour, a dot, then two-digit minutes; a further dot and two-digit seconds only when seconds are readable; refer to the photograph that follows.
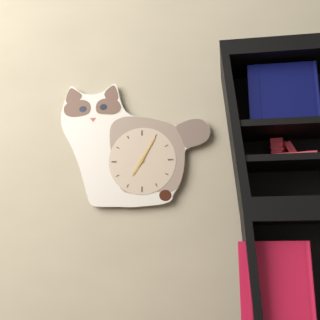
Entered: 7.05
